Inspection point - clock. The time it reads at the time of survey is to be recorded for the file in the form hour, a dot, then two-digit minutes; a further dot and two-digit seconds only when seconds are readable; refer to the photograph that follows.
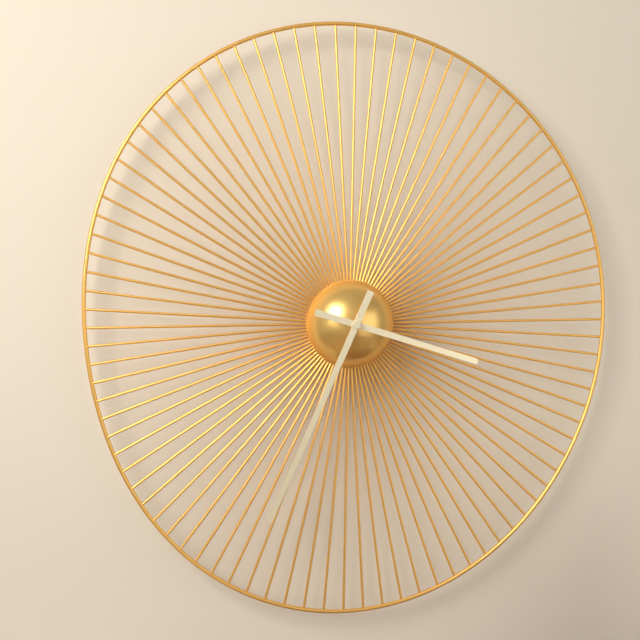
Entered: 3.34
